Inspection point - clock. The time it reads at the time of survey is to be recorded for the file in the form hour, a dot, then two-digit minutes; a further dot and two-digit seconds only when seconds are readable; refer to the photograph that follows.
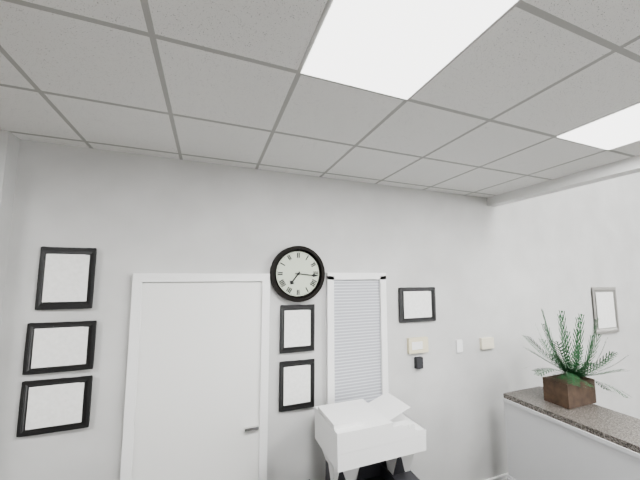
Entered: 7.16
